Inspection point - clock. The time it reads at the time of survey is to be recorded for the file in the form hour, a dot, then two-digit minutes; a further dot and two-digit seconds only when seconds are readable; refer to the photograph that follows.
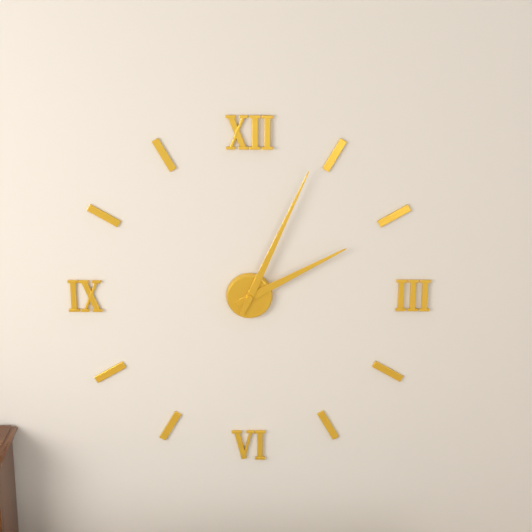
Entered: 2.04
